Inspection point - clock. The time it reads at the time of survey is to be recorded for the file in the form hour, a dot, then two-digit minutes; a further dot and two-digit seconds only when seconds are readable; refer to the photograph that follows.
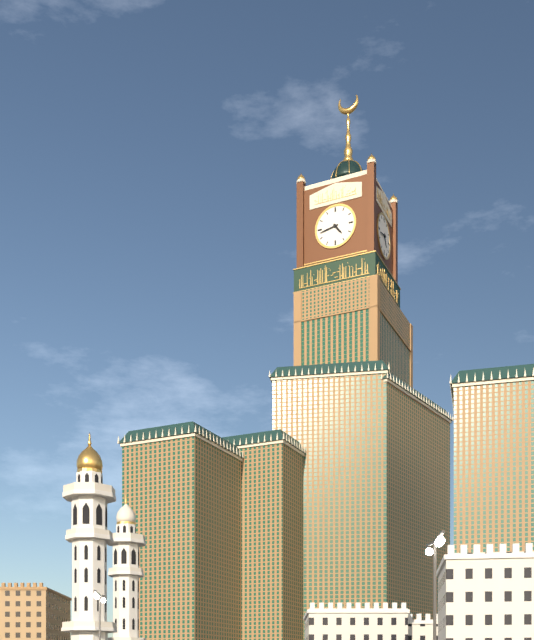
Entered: 4.43
